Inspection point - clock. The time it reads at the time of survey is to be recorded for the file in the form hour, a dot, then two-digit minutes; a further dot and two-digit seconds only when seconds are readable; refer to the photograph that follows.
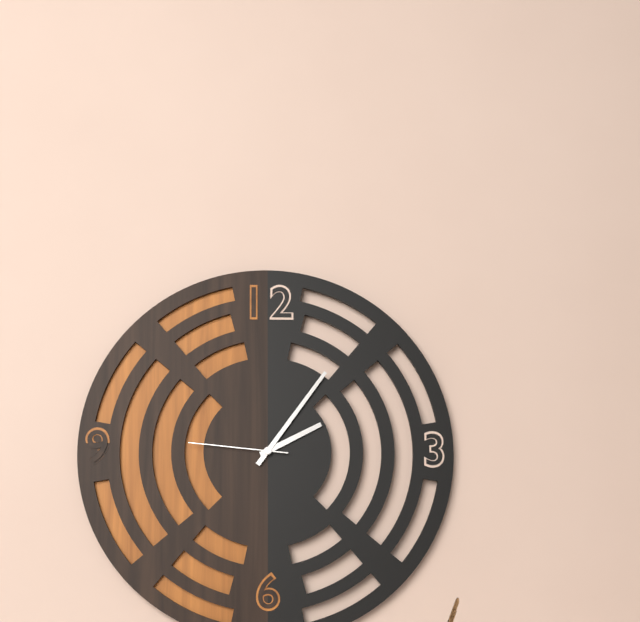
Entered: 2.06.46
